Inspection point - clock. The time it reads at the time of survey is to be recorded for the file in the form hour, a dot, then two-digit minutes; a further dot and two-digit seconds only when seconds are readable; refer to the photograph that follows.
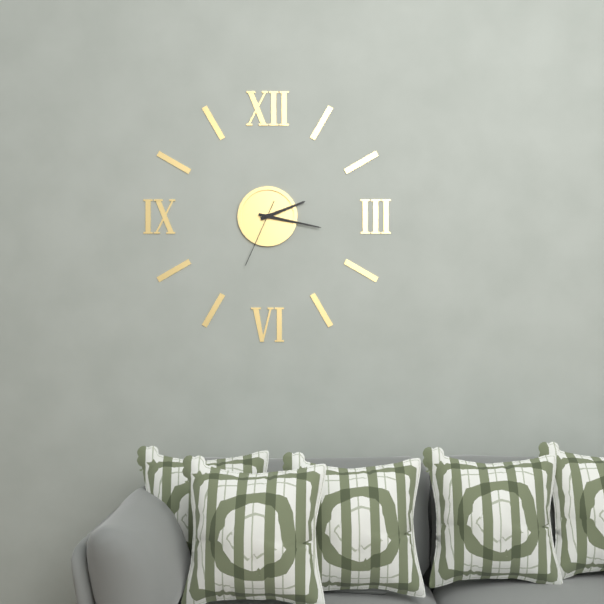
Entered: 2.17.34
